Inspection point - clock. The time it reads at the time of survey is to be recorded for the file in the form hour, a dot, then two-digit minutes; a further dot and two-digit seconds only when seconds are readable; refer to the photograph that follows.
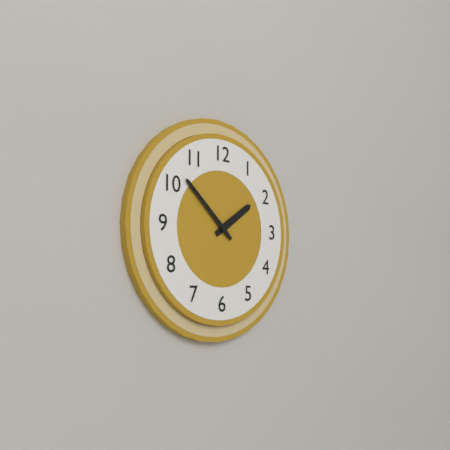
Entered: 1.52
